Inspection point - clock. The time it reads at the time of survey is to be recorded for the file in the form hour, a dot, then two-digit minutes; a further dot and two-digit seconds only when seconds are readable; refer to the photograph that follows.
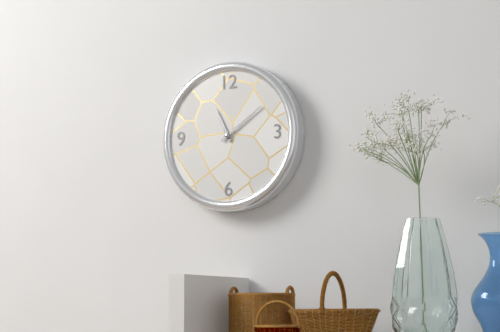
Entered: 11.09
